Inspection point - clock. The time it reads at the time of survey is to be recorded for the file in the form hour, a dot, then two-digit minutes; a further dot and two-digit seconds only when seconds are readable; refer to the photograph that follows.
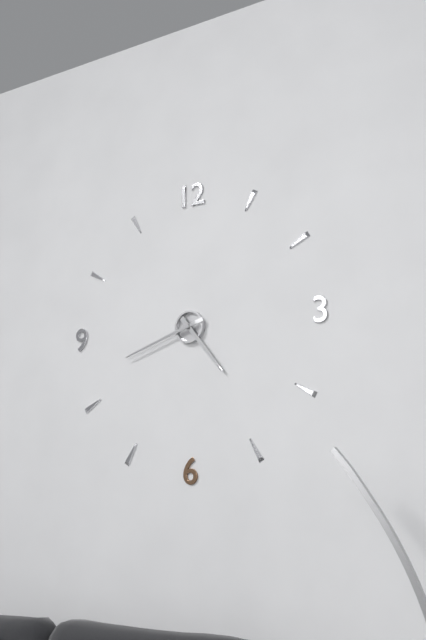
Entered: 4.42
